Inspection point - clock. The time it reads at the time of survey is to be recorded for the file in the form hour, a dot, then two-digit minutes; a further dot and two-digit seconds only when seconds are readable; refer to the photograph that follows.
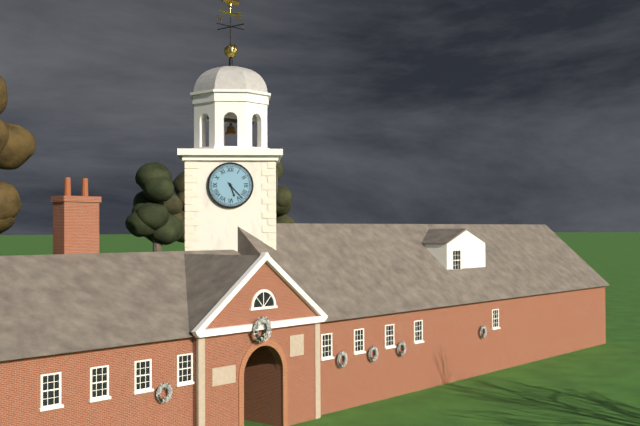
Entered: 5.23
